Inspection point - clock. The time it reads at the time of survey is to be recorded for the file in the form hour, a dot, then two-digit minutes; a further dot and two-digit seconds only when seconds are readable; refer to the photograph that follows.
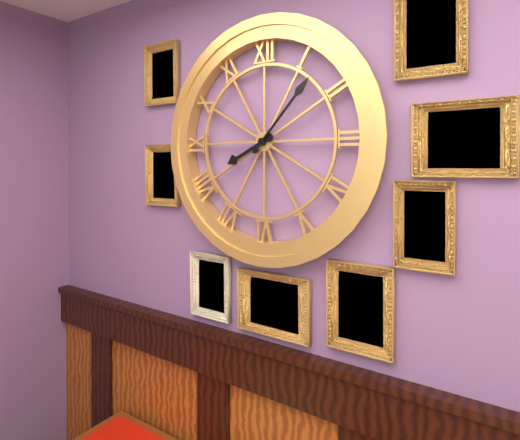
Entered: 8.07
